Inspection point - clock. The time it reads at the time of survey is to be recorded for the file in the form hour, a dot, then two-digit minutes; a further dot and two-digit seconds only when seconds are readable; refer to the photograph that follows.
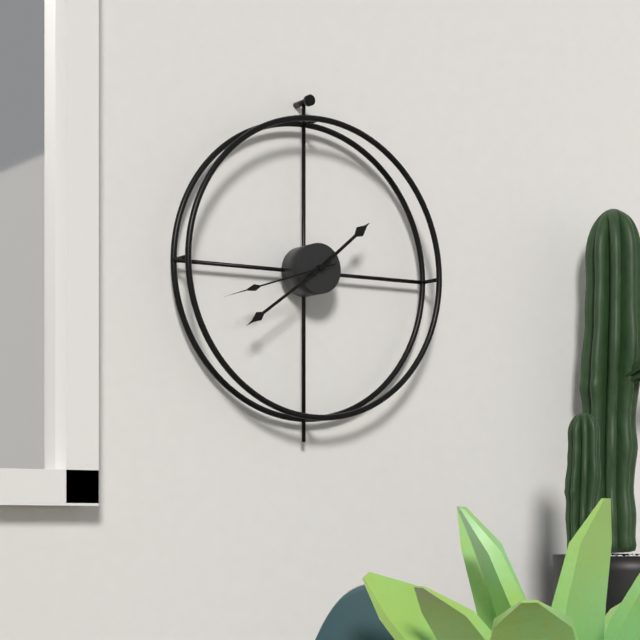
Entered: 1.39.42
